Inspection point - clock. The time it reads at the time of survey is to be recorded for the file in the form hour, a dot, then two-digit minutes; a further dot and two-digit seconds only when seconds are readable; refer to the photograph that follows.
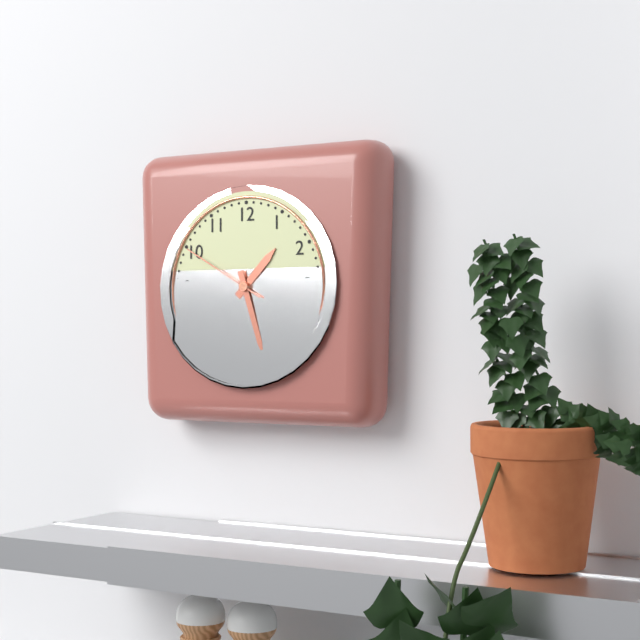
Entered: 1.27.50
